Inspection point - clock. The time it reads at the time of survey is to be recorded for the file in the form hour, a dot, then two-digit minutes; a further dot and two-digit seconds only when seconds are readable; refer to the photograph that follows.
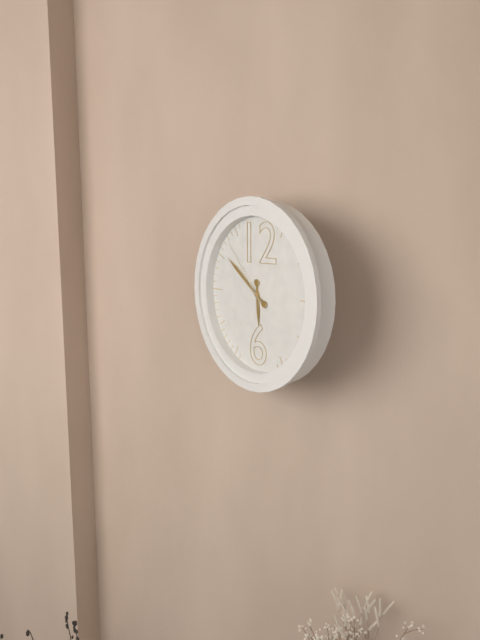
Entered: 5.51.53
